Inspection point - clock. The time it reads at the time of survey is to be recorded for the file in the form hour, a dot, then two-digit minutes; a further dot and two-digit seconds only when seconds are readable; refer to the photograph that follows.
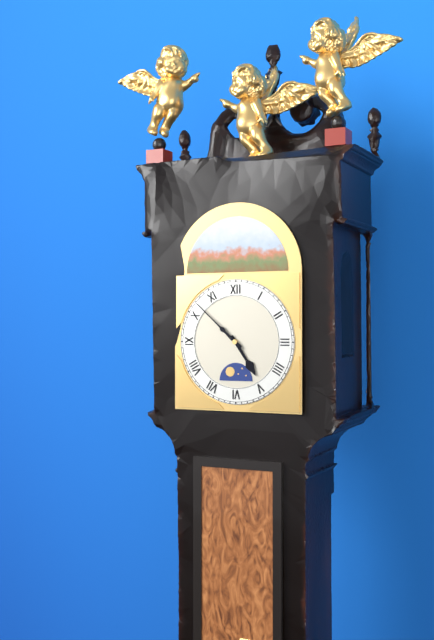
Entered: 4.52
